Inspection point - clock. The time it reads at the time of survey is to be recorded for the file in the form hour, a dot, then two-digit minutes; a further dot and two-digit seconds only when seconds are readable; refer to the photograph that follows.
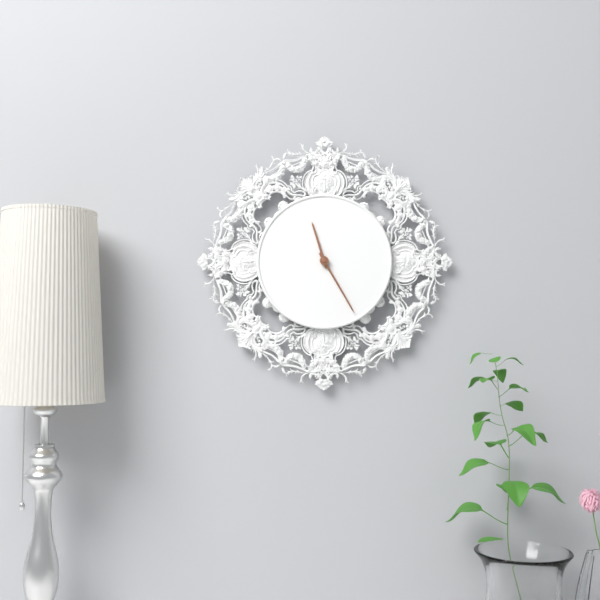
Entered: 11.25
